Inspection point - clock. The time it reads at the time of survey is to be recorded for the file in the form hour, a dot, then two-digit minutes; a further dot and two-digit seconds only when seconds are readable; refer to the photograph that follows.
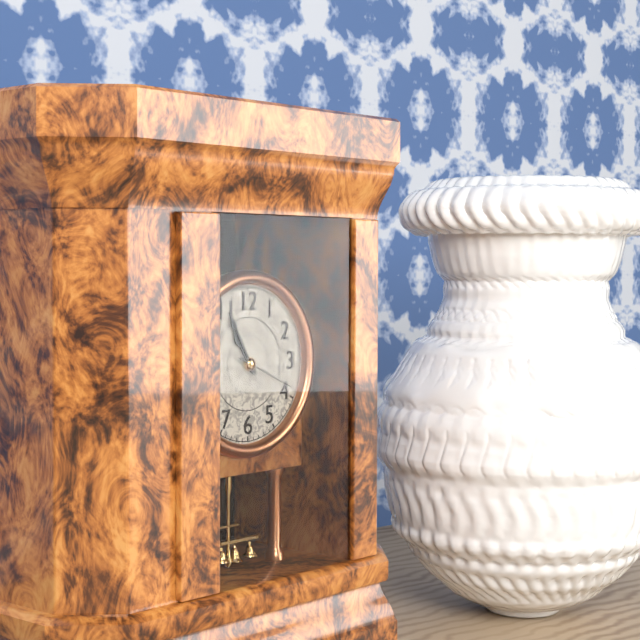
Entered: 10.55.19
